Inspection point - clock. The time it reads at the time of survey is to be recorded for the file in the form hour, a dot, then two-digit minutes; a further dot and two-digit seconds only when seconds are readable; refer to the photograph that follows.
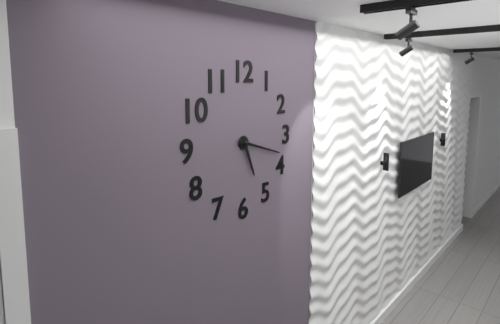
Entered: 5.18
